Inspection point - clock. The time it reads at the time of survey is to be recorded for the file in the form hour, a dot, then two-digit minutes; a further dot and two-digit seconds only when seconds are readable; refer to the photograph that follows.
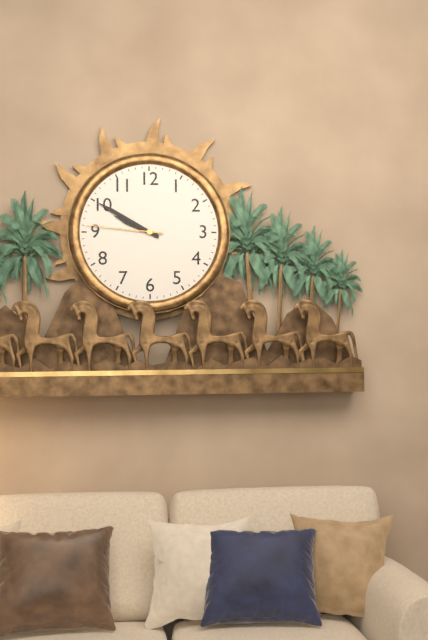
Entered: 9.50.46
